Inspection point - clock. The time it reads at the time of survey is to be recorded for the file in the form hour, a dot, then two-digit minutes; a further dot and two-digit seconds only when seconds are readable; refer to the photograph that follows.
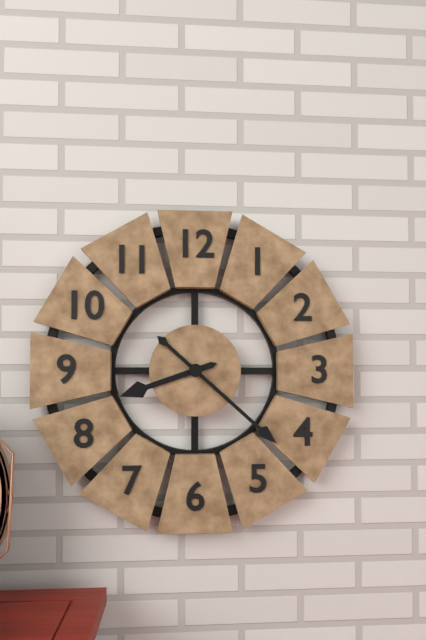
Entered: 8.22
